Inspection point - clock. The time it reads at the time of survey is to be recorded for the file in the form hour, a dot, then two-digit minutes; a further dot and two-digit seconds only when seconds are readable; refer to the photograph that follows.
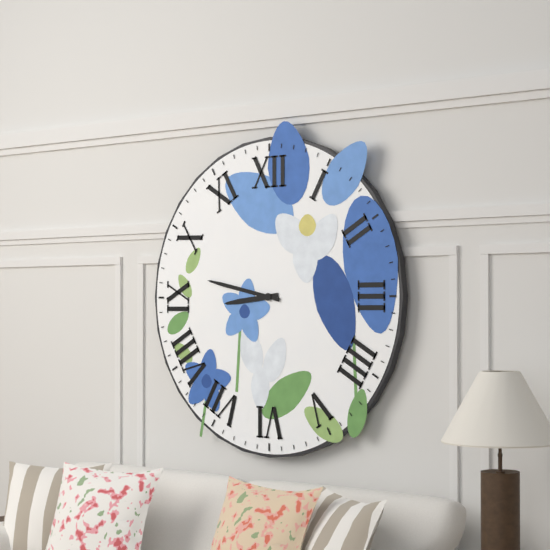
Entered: 8.47
